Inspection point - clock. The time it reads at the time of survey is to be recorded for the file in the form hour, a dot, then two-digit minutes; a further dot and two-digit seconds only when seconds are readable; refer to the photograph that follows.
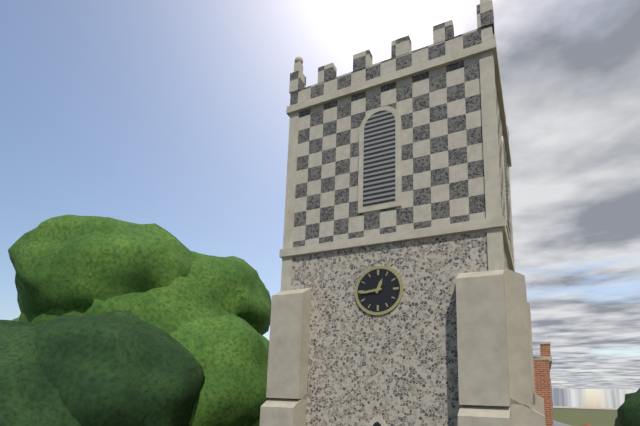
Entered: 12.44
